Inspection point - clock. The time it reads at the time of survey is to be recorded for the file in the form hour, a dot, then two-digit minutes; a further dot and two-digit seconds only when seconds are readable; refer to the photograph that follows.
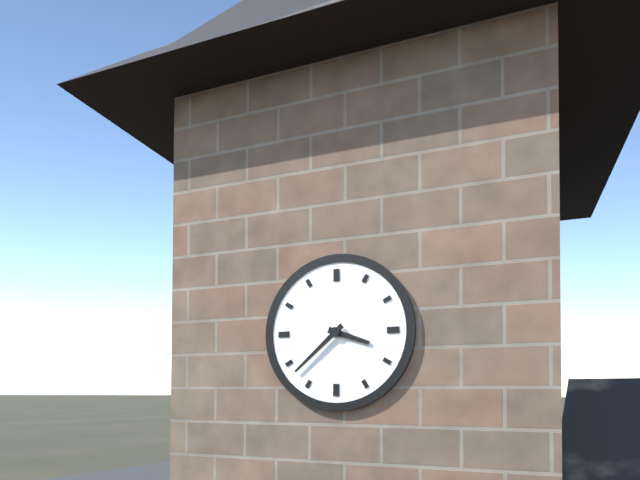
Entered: 3.38
